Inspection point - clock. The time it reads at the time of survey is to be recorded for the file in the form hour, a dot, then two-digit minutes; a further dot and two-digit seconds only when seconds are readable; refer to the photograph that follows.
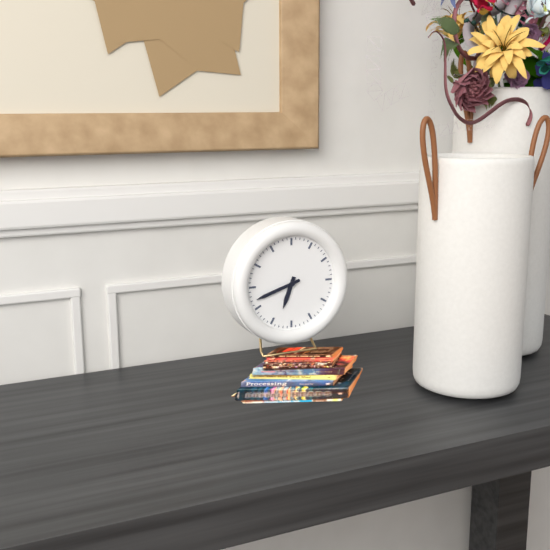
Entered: 6.42
